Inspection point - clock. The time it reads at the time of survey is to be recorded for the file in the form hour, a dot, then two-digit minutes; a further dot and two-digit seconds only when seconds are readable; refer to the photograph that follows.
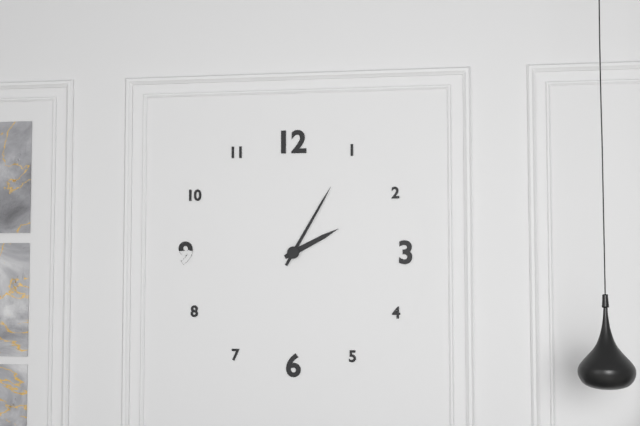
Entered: 2.05
